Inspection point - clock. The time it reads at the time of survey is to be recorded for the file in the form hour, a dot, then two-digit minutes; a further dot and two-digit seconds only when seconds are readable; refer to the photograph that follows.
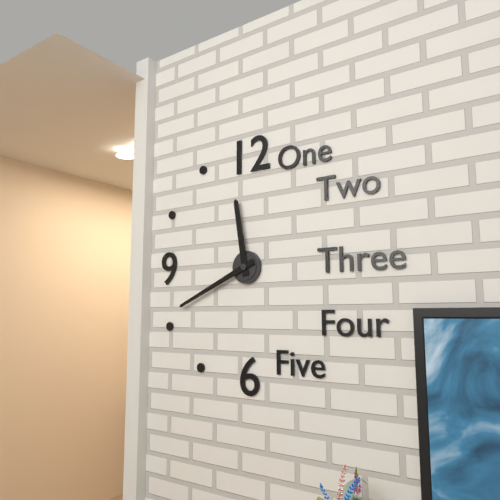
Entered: 11.41
